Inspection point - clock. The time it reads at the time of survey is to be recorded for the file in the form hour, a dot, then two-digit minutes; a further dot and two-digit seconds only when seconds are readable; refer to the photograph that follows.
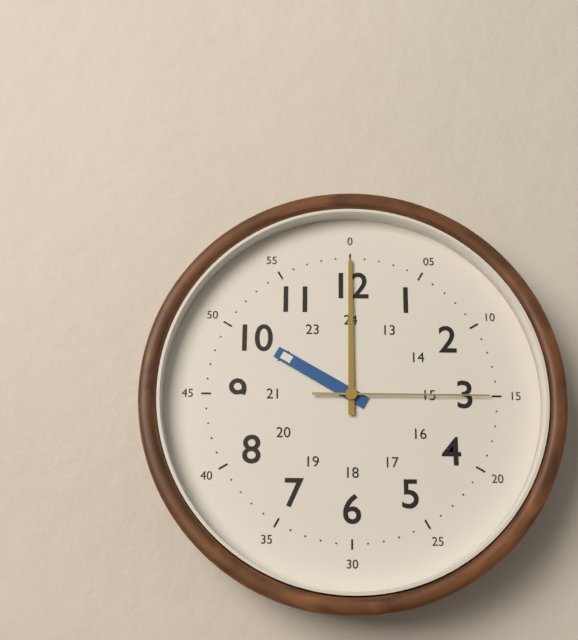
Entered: 10.00.15
